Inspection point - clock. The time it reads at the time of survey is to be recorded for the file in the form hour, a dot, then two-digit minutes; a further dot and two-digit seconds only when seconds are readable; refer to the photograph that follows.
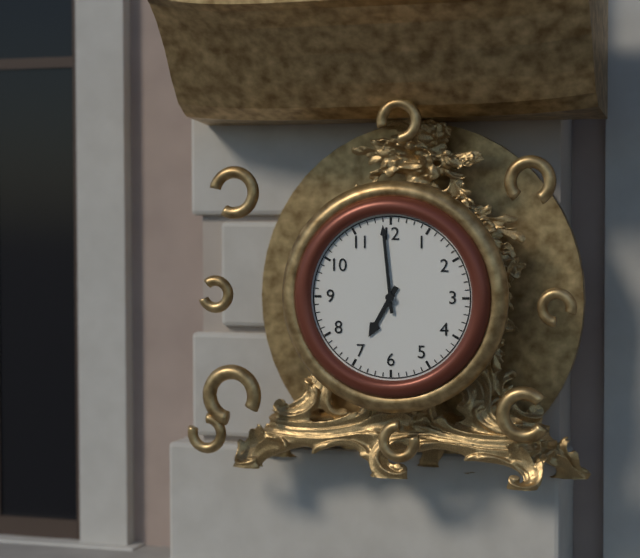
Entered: 6.59
